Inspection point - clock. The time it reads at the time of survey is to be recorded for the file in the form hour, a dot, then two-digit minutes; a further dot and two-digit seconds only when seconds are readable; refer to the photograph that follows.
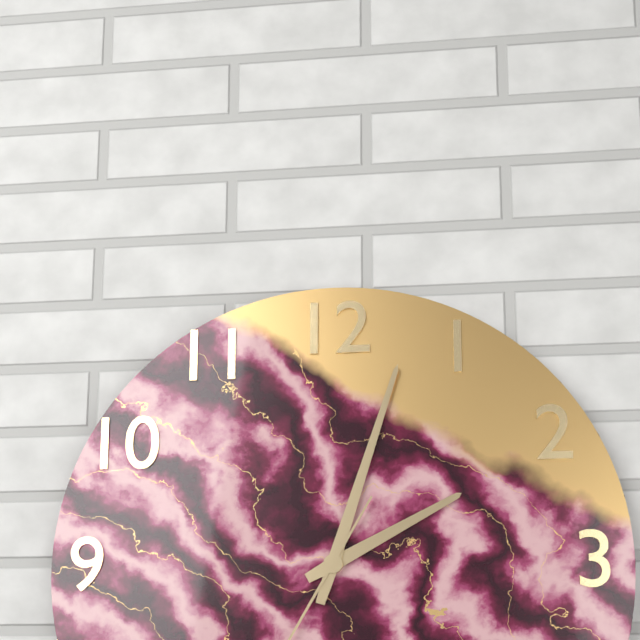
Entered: 2.03
